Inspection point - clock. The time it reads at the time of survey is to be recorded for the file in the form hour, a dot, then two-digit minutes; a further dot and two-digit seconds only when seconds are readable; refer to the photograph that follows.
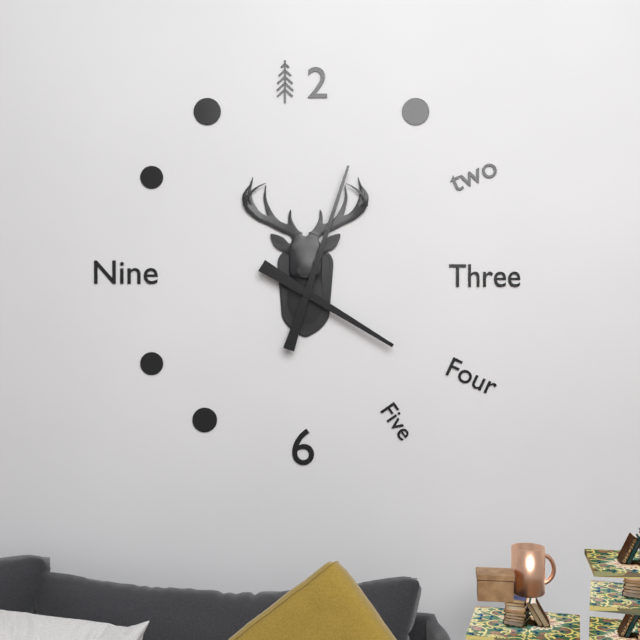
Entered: 4.03
